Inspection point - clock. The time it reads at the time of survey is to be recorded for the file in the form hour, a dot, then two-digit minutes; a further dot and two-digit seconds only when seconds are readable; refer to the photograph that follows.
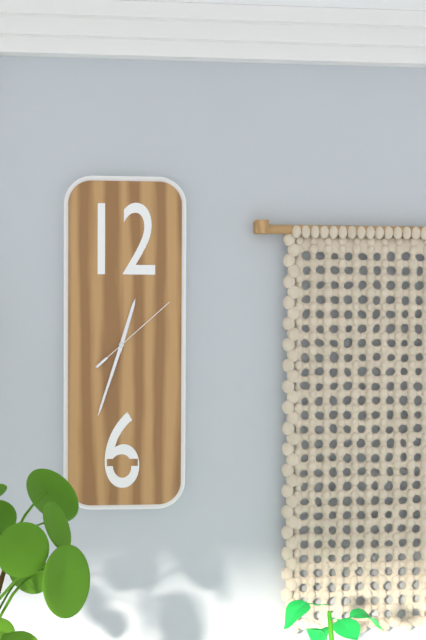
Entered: 12.33.08
